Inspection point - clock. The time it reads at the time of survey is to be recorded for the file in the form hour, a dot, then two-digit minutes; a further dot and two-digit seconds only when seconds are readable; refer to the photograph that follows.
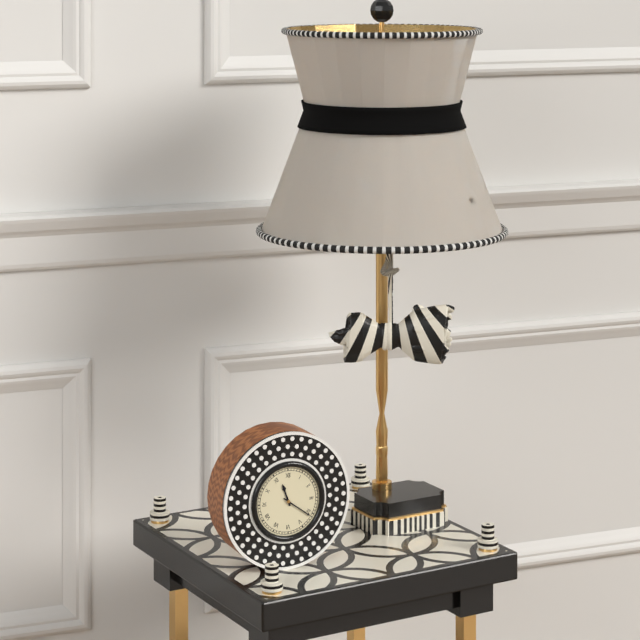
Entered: 11.21
